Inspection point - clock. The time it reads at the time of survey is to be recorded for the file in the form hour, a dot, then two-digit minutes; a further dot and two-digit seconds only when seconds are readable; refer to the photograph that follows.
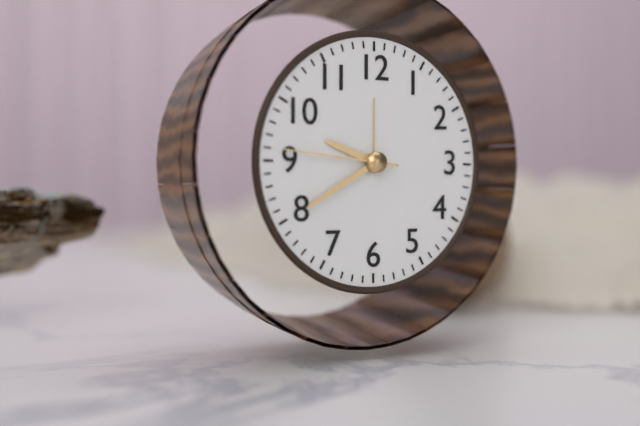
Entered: 9.40.46
